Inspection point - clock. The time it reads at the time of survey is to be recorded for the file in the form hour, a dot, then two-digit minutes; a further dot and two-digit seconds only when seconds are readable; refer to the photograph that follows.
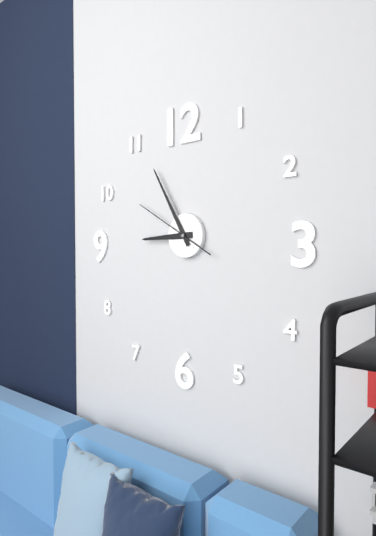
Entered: 8.55.50
